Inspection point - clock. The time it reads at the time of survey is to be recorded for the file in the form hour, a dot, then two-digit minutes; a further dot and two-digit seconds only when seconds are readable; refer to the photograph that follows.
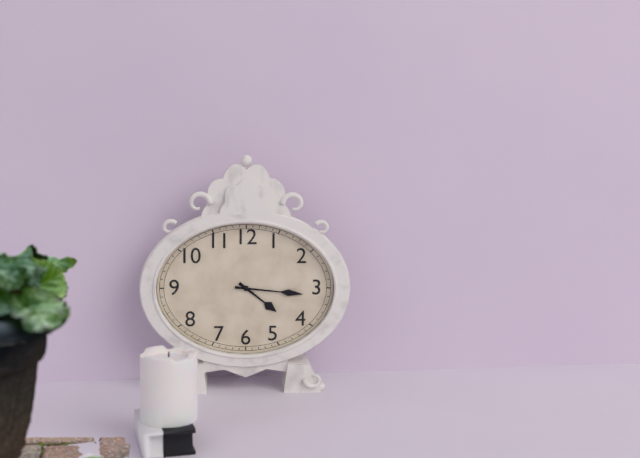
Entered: 4.16
